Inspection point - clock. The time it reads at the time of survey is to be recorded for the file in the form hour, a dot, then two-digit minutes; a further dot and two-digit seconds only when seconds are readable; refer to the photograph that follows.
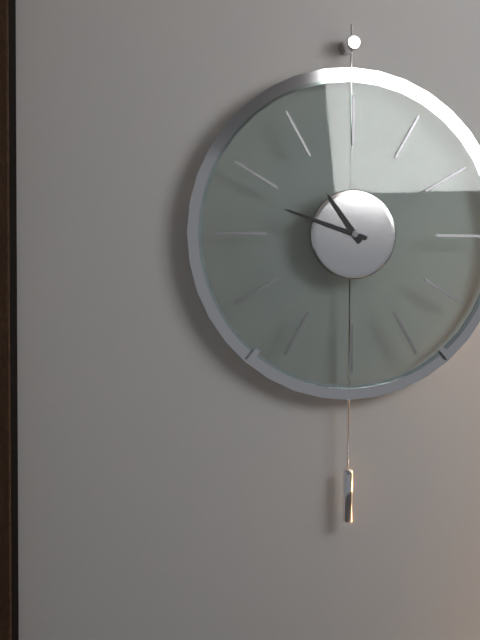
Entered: 10.48
